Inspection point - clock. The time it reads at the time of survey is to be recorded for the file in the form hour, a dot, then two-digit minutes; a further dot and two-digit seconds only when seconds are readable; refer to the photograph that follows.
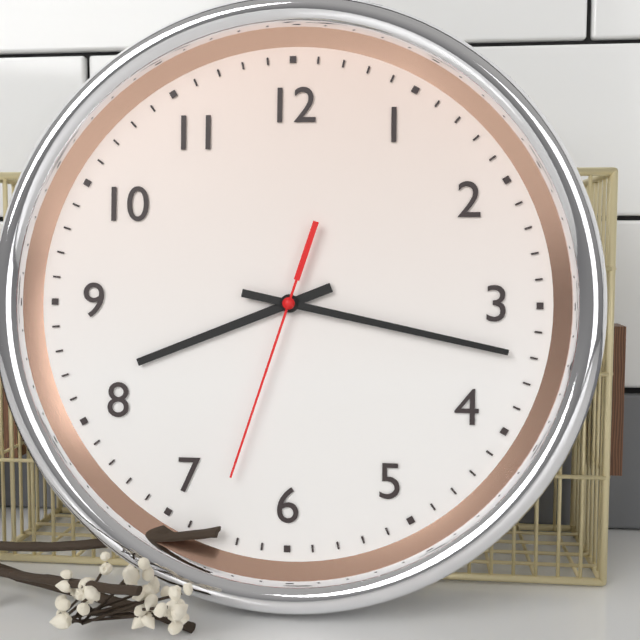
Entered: 8.17.33
